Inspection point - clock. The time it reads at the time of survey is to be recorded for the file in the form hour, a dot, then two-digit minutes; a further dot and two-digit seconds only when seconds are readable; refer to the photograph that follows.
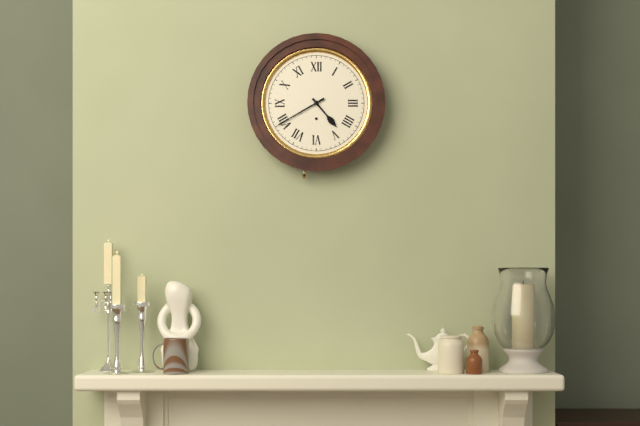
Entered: 4.40
